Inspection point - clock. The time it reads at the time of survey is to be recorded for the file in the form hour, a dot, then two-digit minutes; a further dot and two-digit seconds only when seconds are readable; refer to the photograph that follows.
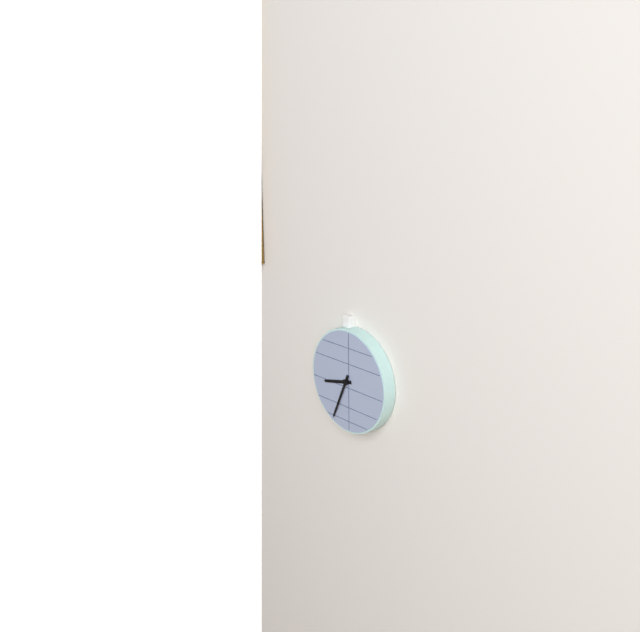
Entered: 8.34
